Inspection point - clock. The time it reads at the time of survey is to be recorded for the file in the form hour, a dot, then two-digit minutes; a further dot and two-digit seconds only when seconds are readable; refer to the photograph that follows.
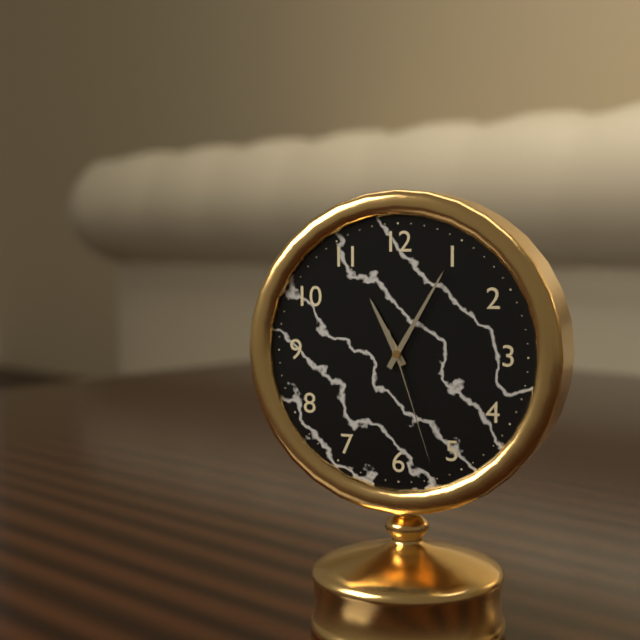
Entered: 11.05.27
